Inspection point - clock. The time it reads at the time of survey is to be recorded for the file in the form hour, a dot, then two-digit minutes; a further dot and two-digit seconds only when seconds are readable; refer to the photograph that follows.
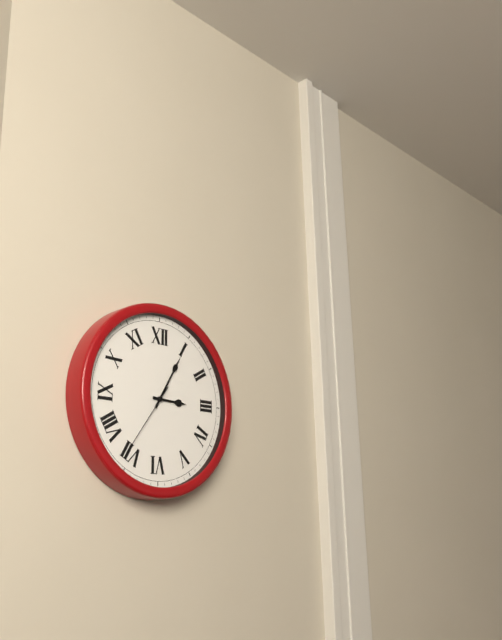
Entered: 3.05.36
